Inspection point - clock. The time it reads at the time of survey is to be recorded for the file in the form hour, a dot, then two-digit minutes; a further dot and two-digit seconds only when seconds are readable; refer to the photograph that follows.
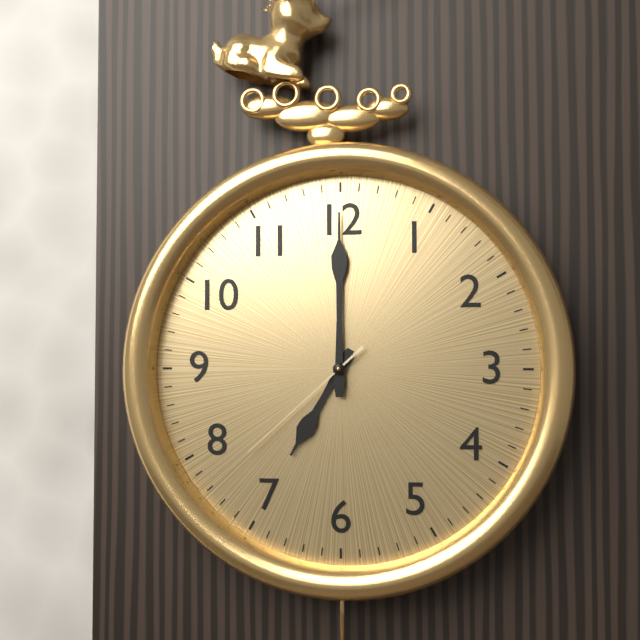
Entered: 7.00.38
